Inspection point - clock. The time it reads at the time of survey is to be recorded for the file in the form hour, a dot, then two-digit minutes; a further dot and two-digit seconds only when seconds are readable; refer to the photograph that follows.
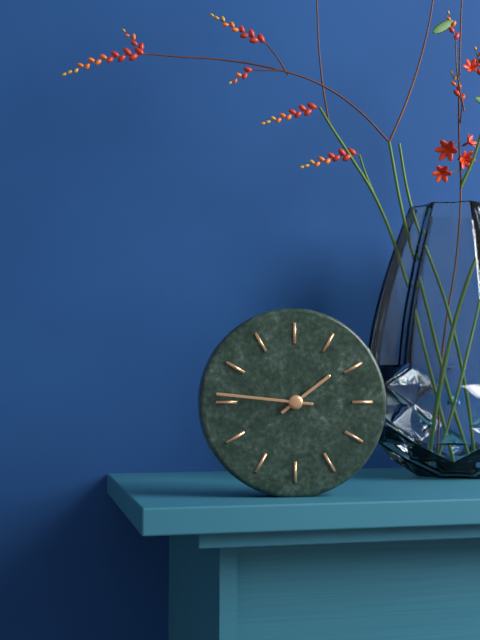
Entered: 1.46
